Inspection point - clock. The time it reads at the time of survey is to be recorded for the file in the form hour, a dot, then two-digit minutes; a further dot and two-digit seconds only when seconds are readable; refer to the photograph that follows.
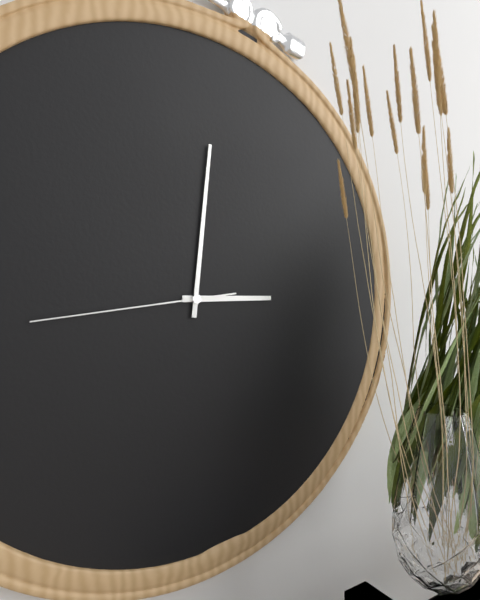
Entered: 3.01.44
